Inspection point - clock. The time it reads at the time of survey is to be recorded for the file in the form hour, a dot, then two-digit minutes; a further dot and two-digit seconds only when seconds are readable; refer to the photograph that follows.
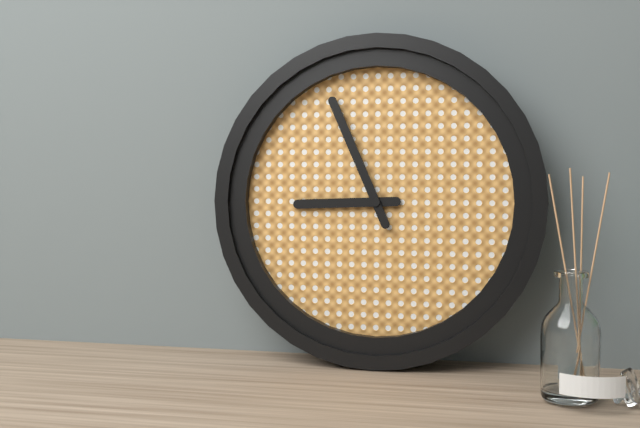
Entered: 8.56
